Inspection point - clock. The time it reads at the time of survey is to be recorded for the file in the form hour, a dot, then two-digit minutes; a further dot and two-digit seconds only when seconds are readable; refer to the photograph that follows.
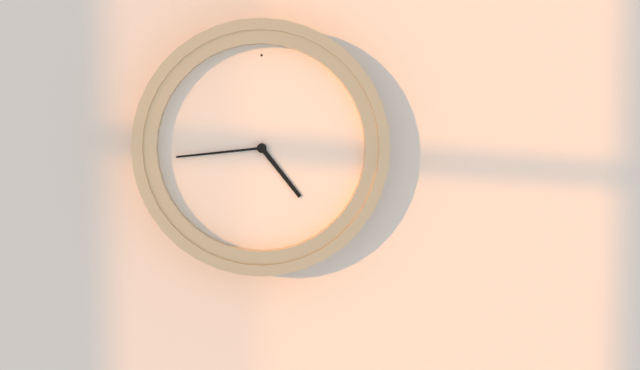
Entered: 4.44
